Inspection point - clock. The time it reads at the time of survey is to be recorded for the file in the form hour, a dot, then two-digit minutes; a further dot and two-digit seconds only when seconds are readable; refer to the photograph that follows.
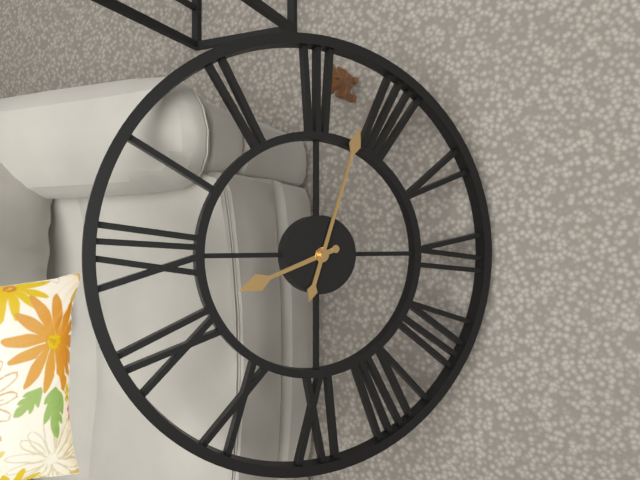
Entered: 11.18
